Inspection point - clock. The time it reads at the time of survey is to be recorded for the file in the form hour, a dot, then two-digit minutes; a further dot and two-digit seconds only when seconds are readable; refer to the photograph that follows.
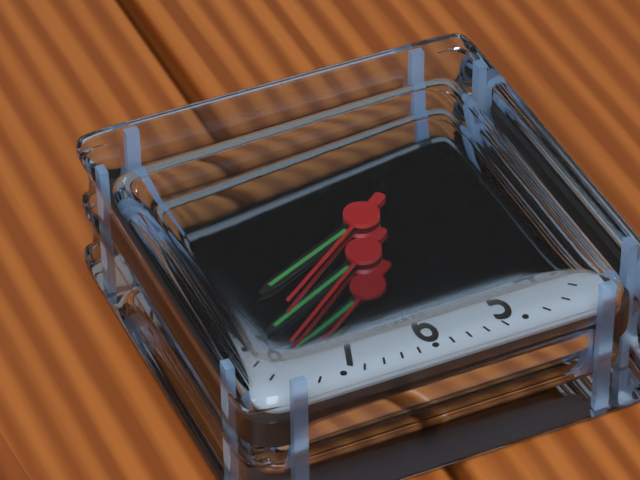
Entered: 7.41.39
